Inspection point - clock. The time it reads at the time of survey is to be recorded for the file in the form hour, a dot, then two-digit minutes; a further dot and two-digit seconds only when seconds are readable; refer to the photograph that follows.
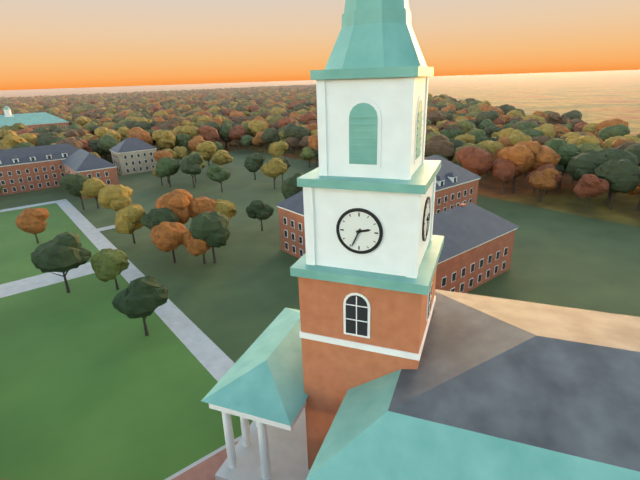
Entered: 2.34
